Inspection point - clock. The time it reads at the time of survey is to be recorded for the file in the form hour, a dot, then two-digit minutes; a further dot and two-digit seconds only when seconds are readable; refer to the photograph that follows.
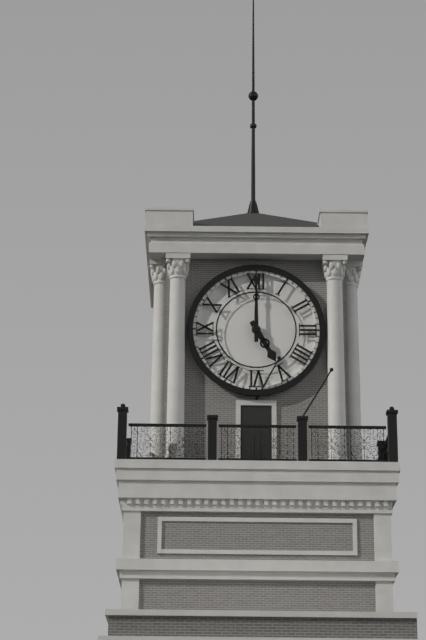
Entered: 5.00
